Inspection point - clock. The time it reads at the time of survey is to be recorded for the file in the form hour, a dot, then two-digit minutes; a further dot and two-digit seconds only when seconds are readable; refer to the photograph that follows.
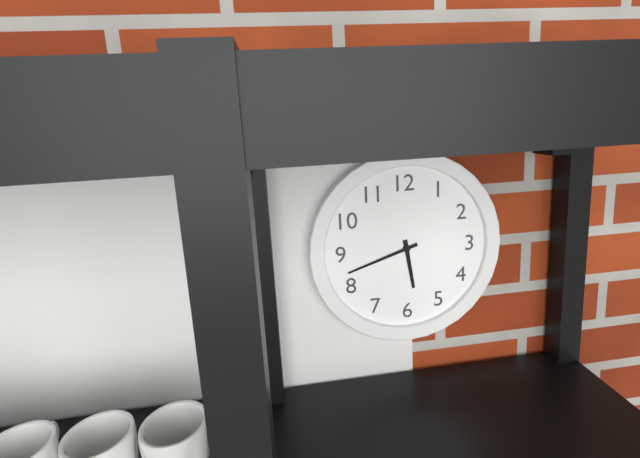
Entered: 5.42
